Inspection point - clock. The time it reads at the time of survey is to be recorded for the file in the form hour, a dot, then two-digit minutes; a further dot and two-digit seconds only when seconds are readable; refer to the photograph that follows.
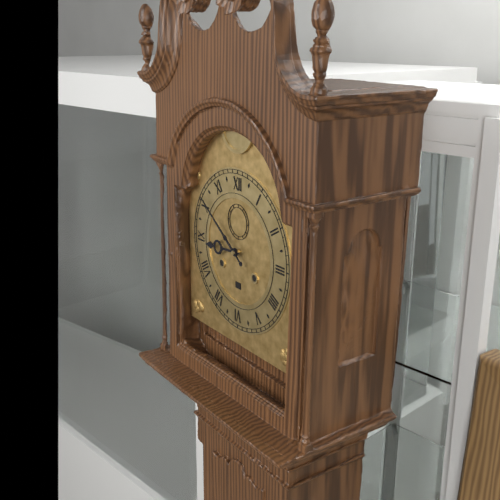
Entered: 8.51
